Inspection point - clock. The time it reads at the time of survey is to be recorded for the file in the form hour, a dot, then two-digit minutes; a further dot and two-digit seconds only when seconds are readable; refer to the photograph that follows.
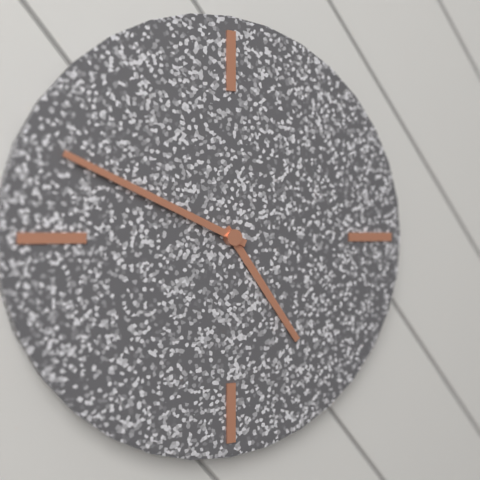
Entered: 4.49
